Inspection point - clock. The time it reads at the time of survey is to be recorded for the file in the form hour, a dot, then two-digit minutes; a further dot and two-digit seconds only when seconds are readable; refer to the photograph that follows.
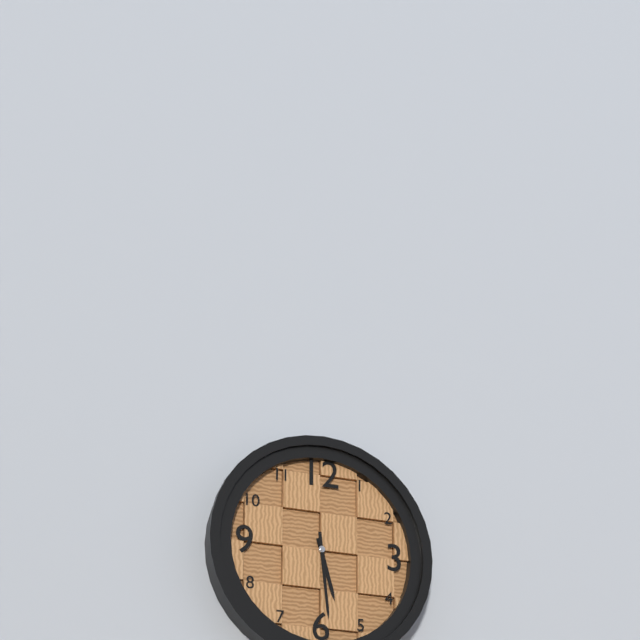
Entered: 5.29
